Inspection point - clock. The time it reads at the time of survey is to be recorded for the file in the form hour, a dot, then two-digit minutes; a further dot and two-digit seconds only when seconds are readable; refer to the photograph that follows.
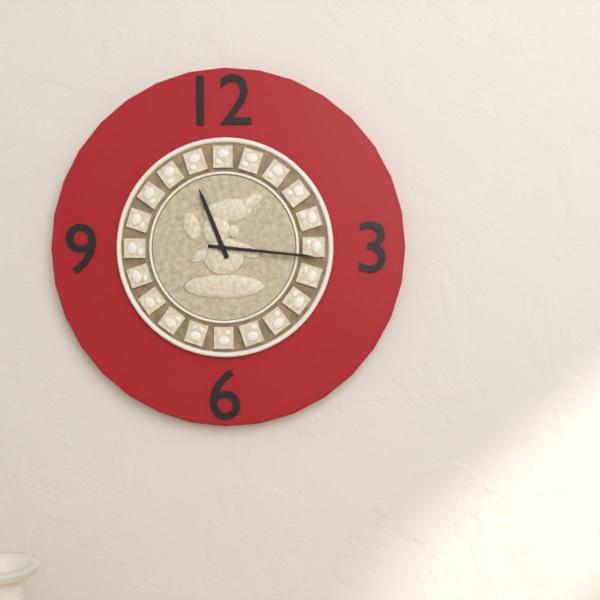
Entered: 11.16
